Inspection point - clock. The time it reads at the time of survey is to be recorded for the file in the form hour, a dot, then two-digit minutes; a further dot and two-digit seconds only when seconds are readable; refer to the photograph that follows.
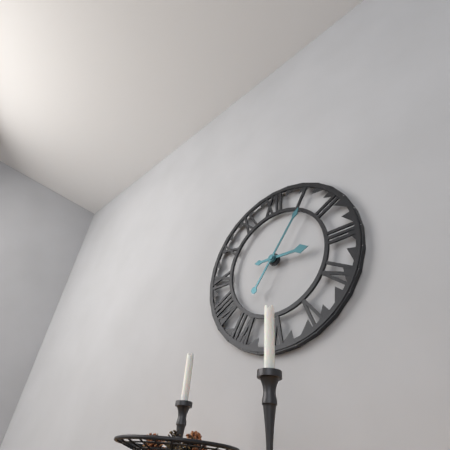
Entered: 3.06
